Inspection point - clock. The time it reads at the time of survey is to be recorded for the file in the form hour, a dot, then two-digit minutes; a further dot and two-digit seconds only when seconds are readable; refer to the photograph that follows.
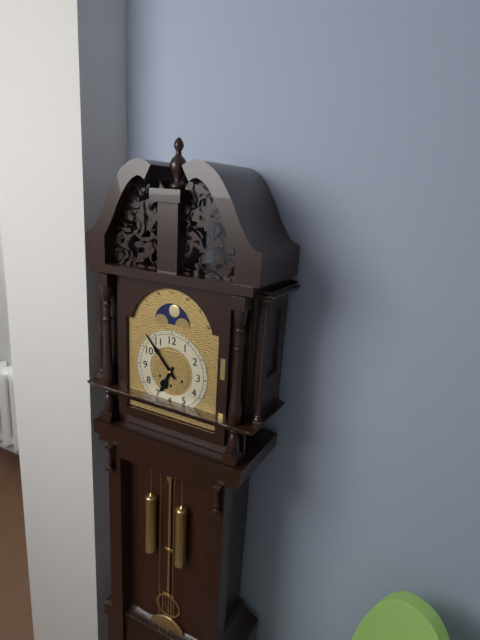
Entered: 6.53
